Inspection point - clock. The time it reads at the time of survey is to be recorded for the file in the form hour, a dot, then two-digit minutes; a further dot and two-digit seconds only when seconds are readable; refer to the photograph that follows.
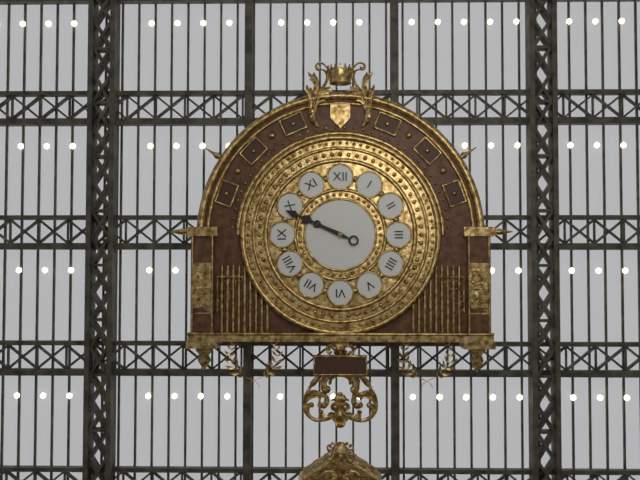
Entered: 9.49
